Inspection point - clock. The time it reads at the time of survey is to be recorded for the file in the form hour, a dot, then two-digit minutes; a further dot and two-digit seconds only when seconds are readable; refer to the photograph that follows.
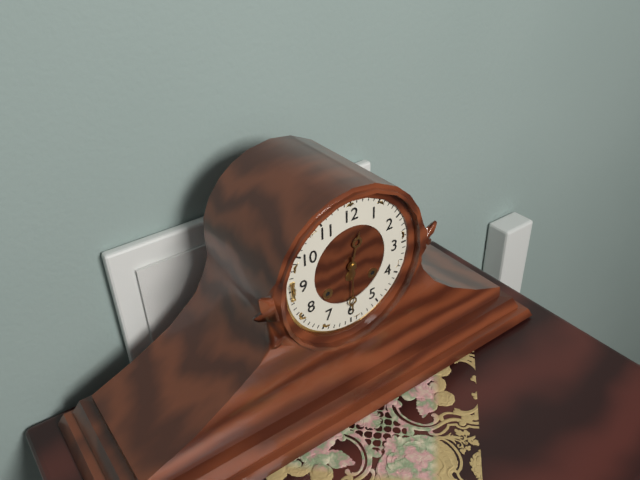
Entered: 12.30
